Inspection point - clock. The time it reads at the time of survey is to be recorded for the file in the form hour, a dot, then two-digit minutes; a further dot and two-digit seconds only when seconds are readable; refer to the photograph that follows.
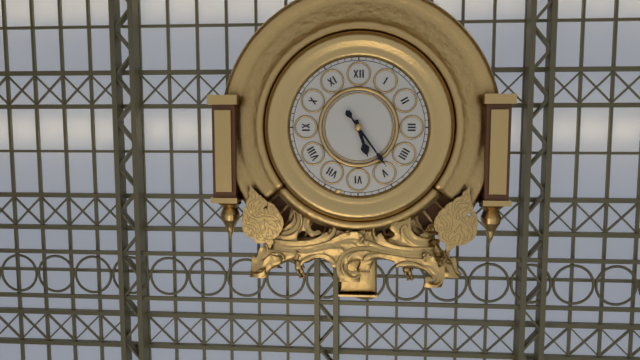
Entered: 5.24
